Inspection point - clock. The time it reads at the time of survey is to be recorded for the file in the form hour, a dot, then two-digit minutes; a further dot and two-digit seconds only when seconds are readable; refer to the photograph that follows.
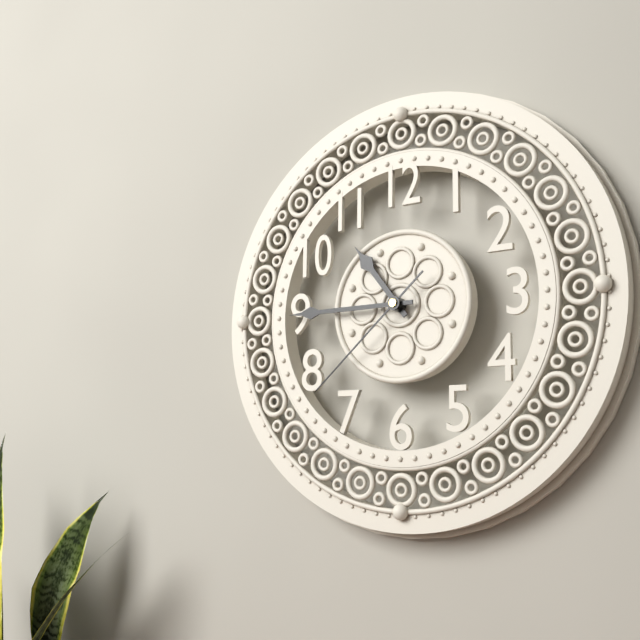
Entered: 10.45.38
